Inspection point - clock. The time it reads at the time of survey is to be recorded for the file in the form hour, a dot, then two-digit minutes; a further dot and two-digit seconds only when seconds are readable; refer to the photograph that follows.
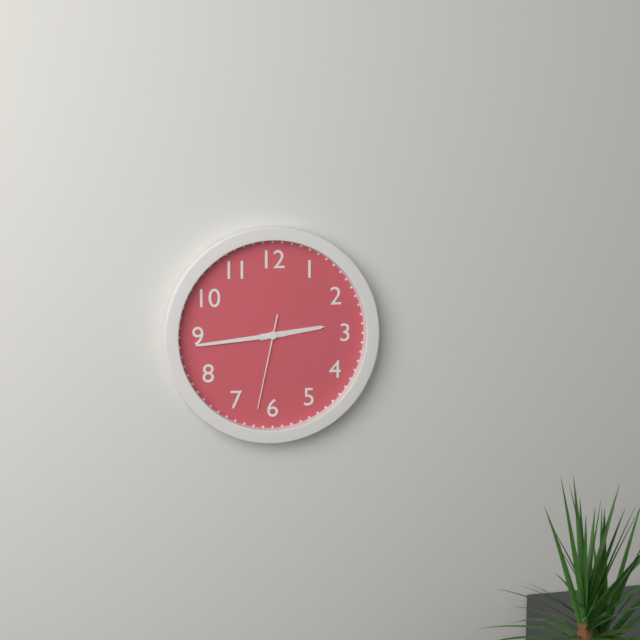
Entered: 2.44.32
